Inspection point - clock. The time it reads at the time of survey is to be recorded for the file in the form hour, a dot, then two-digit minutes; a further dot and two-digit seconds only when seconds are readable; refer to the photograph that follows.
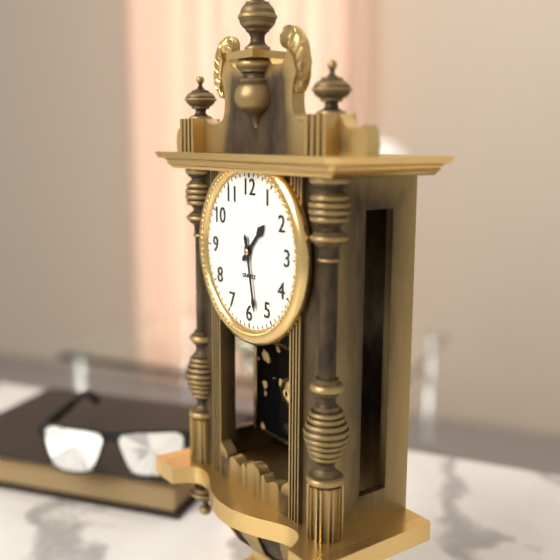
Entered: 1.28
